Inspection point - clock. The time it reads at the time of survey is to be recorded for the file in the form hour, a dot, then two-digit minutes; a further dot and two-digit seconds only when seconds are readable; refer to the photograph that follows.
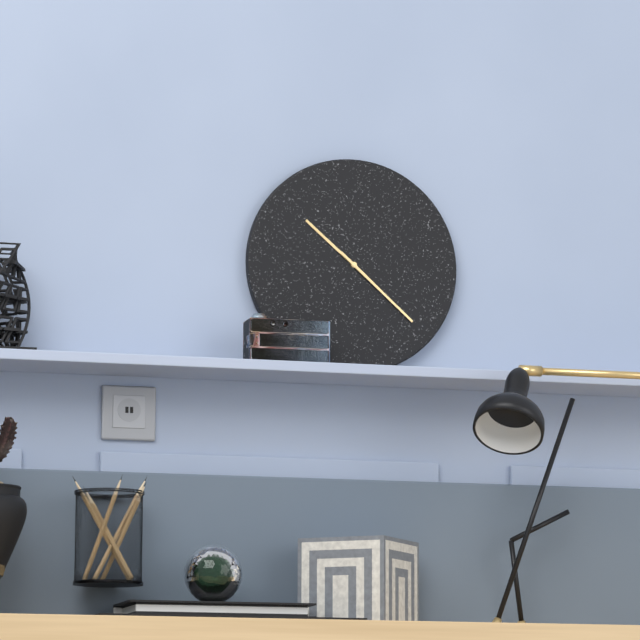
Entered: 10.22
